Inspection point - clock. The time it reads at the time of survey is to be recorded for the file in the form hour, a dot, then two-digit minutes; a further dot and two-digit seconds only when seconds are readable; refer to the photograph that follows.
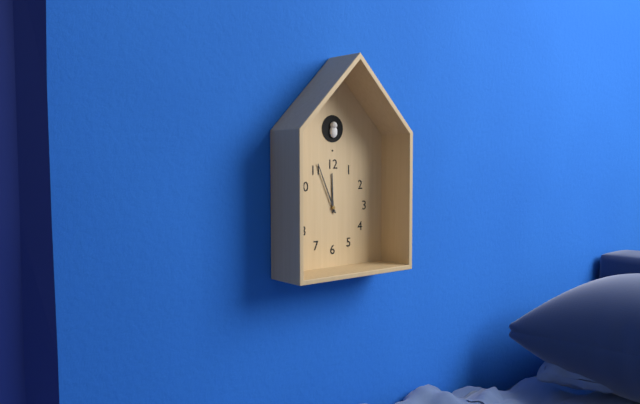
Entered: 11.56
